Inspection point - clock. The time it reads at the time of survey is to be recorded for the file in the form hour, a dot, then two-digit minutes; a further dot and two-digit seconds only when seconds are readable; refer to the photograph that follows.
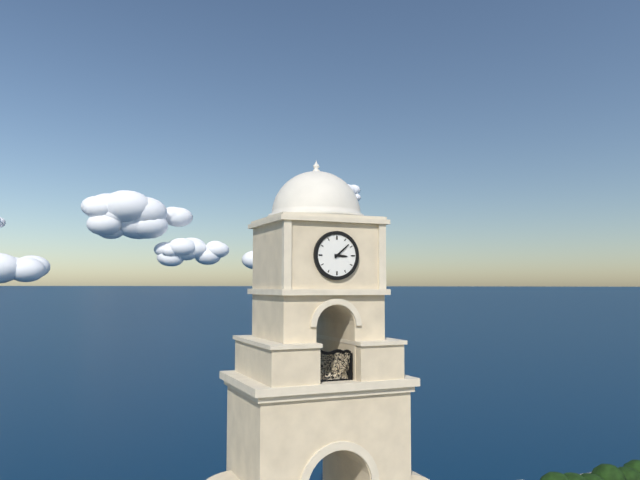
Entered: 3.08
